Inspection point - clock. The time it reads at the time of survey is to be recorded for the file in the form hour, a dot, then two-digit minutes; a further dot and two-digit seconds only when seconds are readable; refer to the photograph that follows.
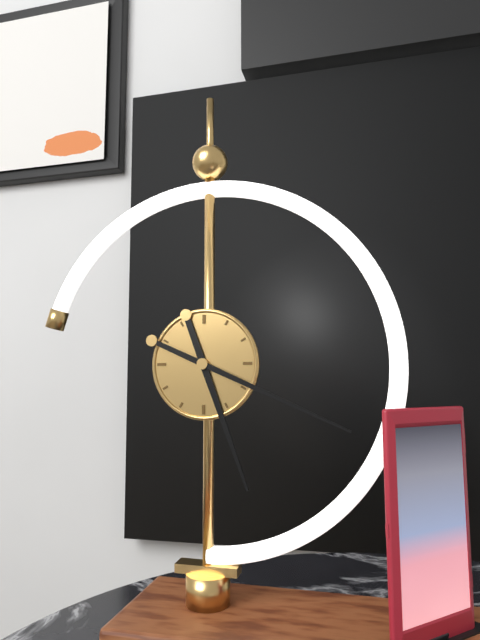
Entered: 5.19
